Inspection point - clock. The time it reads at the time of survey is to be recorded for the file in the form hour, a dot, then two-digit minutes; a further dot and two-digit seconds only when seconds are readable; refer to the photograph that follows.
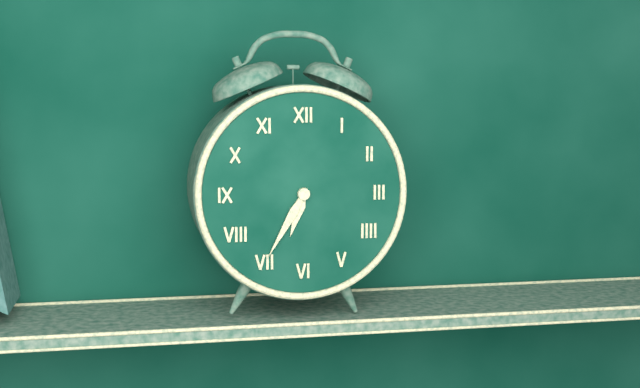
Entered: 6.35
